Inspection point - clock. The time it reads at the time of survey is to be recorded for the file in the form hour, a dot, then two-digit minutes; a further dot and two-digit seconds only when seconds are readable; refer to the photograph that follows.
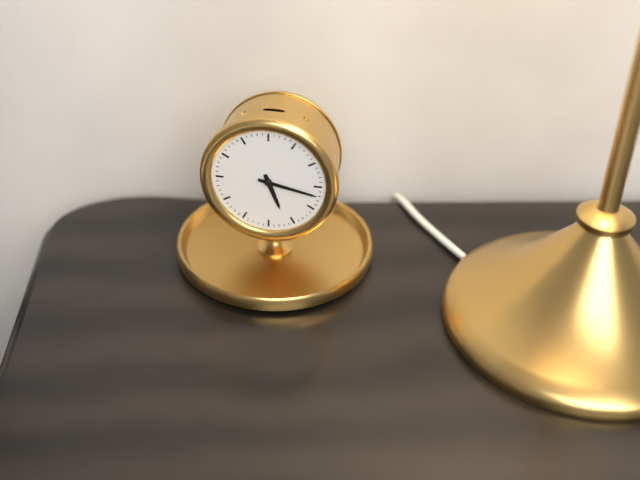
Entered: 5.17
